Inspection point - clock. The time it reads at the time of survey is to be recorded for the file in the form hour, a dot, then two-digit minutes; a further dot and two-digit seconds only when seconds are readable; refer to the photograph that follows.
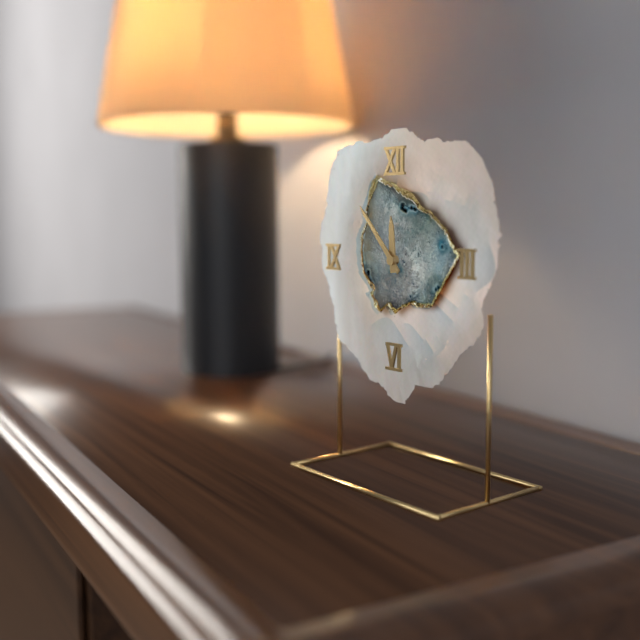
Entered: 11.53
